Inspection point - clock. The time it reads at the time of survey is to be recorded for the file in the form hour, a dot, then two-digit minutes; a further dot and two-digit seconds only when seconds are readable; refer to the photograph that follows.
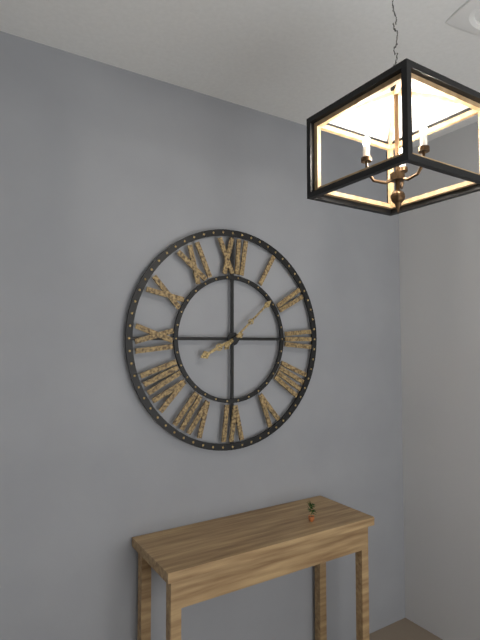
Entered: 8.08
